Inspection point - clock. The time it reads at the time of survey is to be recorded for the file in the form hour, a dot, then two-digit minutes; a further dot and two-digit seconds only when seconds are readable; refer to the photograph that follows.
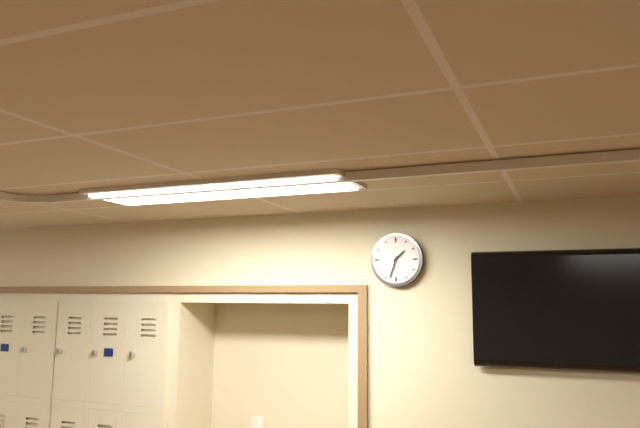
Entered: 1.33
